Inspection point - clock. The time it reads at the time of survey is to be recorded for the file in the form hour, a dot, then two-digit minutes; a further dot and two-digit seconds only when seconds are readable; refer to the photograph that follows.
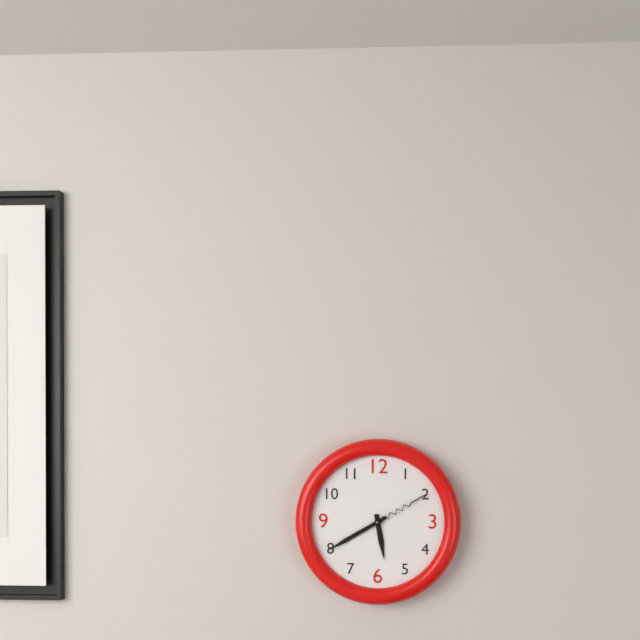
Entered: 5.40.10
